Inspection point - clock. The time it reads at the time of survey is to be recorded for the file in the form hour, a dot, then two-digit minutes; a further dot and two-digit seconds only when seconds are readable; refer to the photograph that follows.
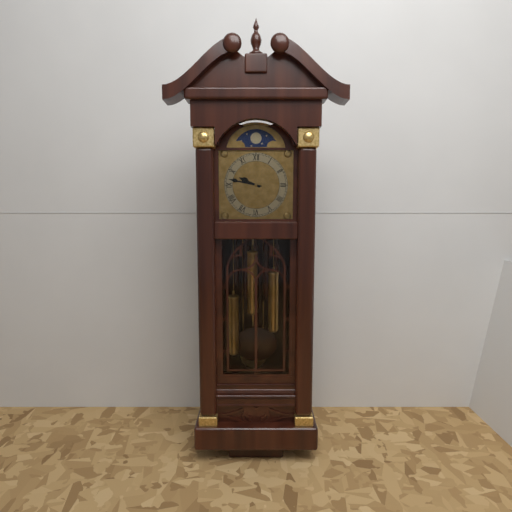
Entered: 9.47
